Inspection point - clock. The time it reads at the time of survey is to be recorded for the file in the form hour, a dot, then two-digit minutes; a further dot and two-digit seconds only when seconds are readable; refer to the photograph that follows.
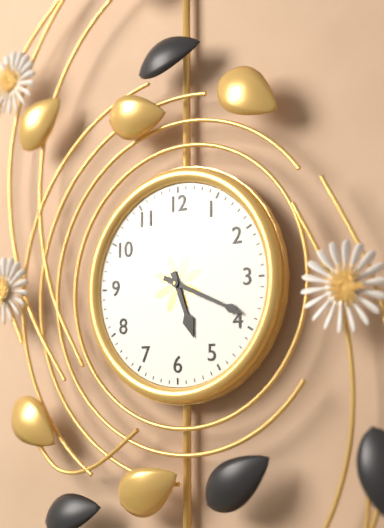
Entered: 5.19
